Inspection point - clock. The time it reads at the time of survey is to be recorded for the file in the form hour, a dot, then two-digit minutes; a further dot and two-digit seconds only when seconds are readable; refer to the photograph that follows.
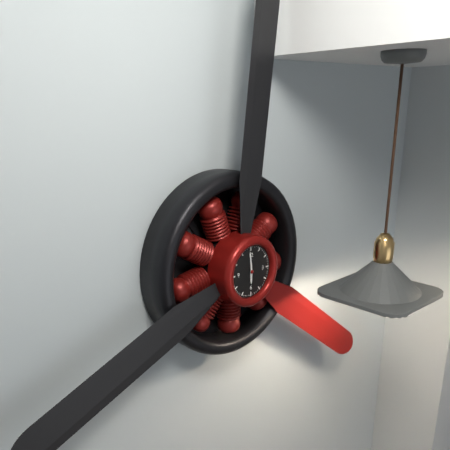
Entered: 5.59
